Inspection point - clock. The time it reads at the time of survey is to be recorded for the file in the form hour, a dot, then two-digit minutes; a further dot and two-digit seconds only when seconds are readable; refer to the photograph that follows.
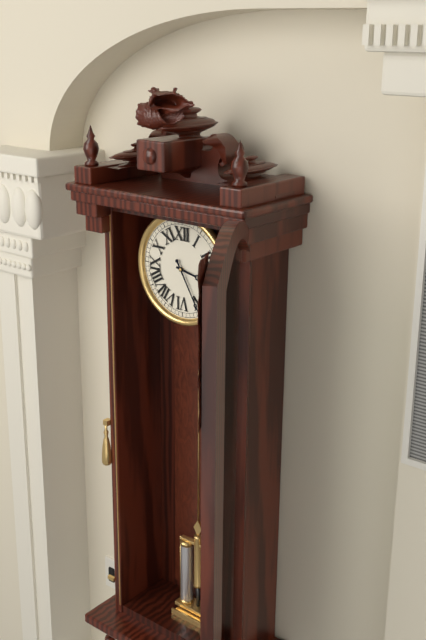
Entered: 3.25
